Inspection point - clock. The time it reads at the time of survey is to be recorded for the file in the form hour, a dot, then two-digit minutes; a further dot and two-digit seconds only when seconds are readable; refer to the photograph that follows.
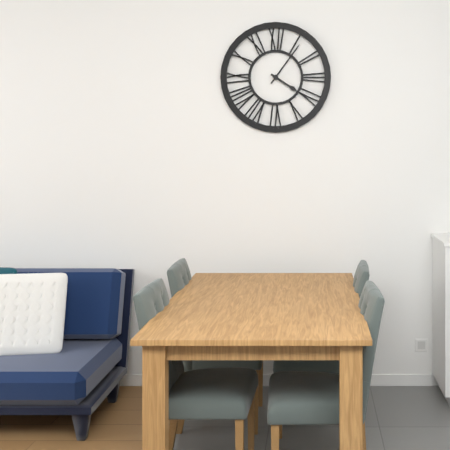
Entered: 4.06
